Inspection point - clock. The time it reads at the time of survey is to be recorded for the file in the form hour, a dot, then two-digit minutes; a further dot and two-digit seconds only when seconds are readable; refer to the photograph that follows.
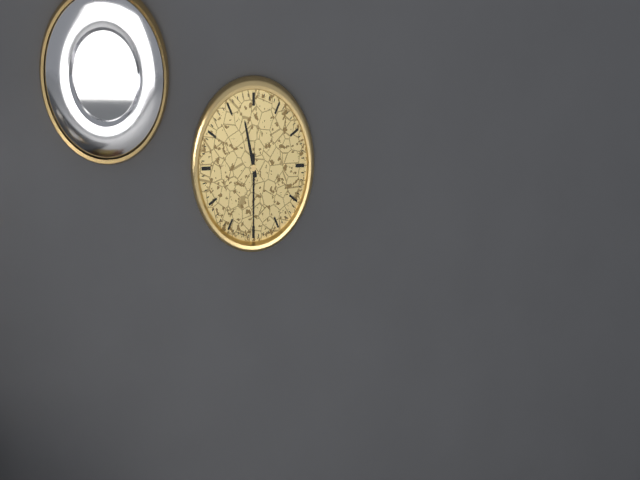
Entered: 11.30
